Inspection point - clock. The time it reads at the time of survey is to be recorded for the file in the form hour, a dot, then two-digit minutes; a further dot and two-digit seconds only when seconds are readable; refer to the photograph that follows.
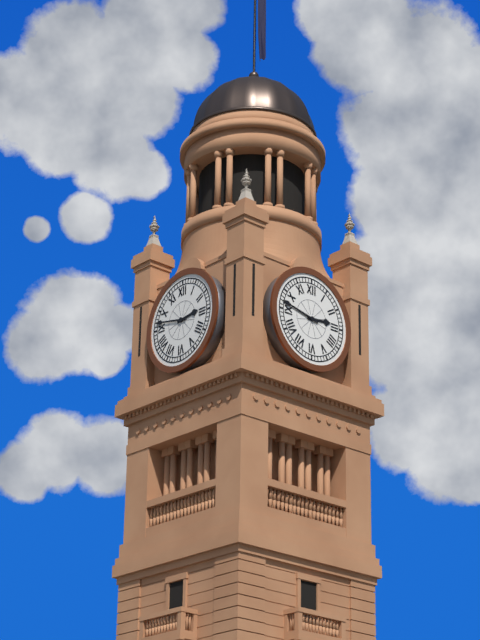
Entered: 2.47
